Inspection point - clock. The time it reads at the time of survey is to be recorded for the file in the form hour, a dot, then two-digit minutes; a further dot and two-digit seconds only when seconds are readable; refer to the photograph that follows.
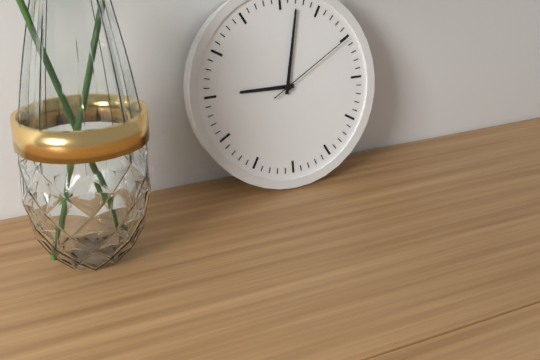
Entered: 9.02.10
